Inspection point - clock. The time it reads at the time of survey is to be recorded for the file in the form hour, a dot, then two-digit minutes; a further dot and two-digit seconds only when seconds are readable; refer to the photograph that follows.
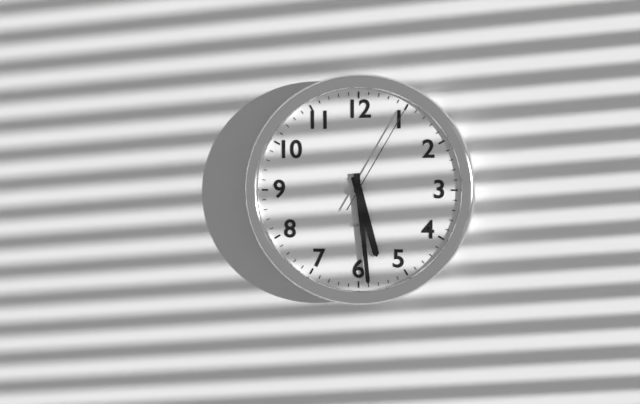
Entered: 5.29.05
